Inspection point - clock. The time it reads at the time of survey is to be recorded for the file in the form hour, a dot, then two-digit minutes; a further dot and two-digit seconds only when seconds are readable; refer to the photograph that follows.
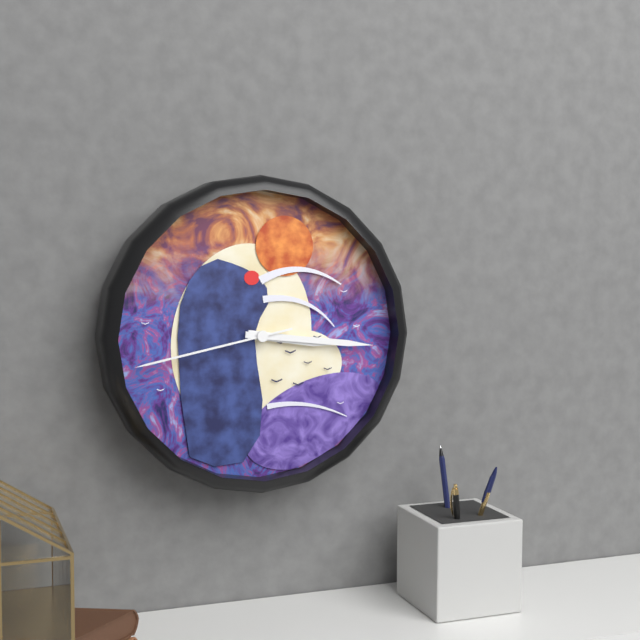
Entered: 3.16.43
